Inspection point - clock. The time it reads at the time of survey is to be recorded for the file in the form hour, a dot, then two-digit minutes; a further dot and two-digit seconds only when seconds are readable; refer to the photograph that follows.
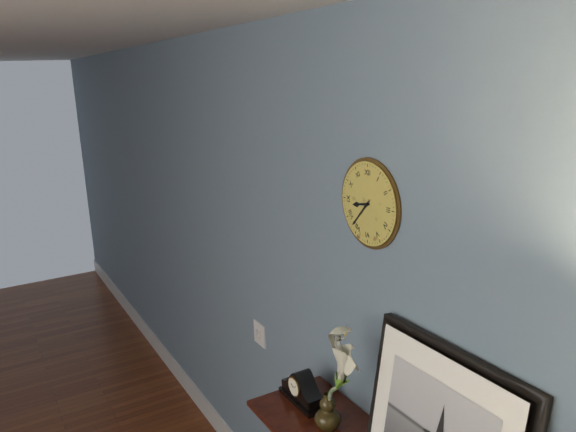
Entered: 8.37
